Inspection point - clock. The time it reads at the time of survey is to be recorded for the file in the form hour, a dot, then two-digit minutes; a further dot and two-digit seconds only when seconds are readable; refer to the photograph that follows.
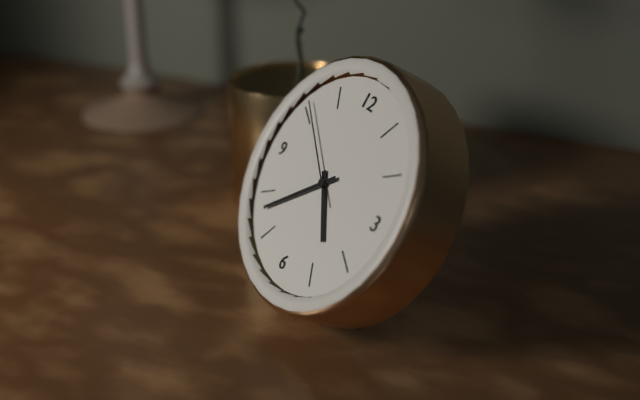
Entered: 4.38.51
